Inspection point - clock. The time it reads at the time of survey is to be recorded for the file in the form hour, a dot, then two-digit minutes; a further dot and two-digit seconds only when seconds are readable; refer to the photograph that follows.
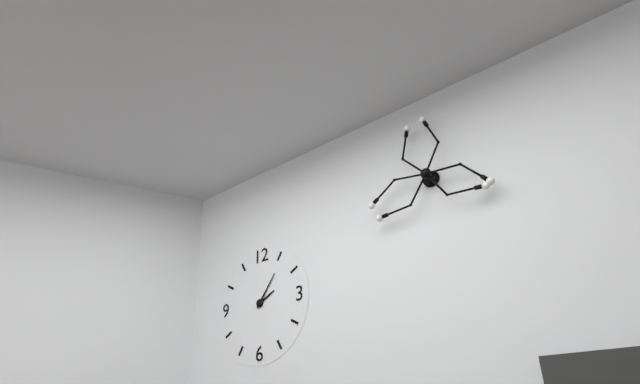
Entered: 2.06
